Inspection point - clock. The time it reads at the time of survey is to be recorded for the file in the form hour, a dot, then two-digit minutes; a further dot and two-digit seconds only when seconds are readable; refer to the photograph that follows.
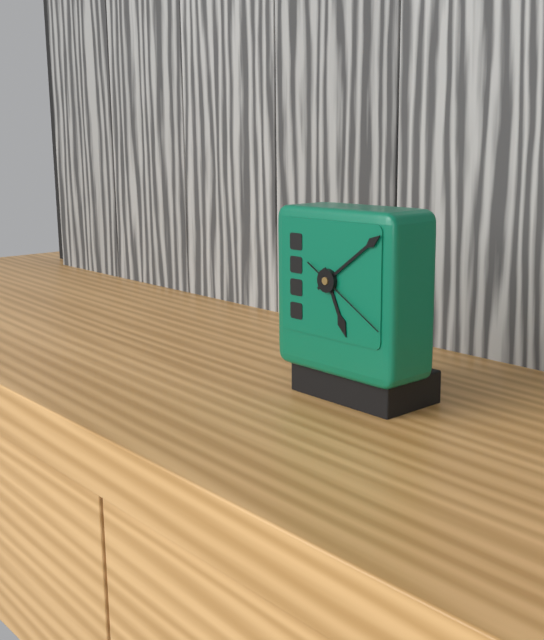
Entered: 5.09.20
